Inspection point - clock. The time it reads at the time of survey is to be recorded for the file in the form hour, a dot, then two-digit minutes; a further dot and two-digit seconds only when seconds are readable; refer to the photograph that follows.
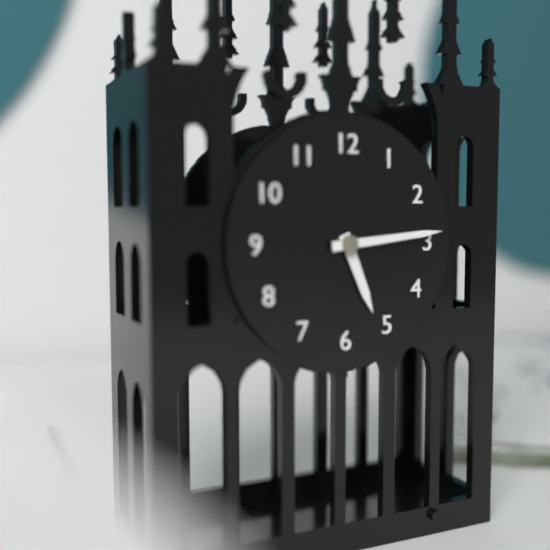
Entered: 5.14
